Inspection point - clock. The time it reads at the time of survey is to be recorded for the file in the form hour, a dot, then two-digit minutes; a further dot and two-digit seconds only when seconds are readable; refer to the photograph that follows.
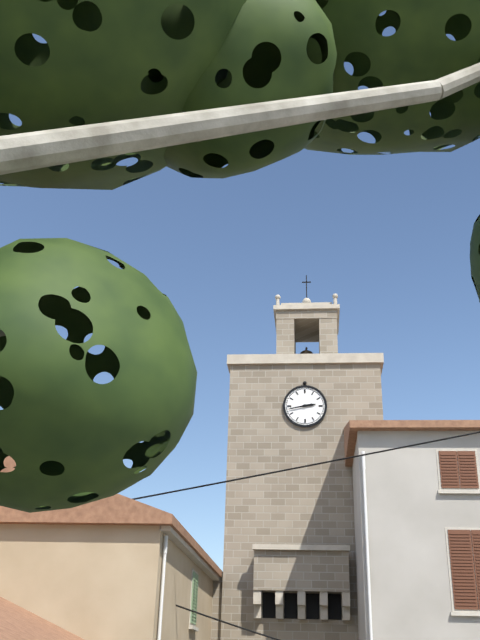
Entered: 2.43
